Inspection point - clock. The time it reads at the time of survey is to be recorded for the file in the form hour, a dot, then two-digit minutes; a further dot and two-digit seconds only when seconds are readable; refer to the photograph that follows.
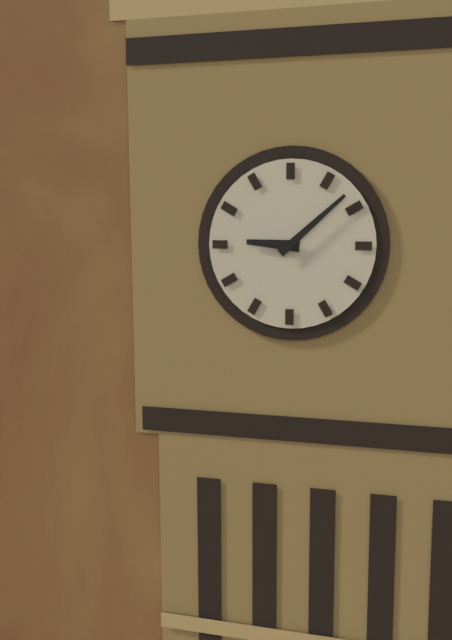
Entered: 9.08
